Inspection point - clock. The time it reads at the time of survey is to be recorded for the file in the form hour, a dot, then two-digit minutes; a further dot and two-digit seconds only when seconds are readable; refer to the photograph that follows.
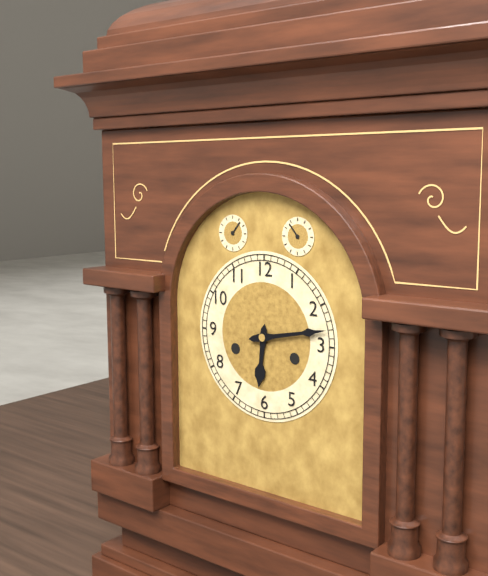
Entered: 6.13
